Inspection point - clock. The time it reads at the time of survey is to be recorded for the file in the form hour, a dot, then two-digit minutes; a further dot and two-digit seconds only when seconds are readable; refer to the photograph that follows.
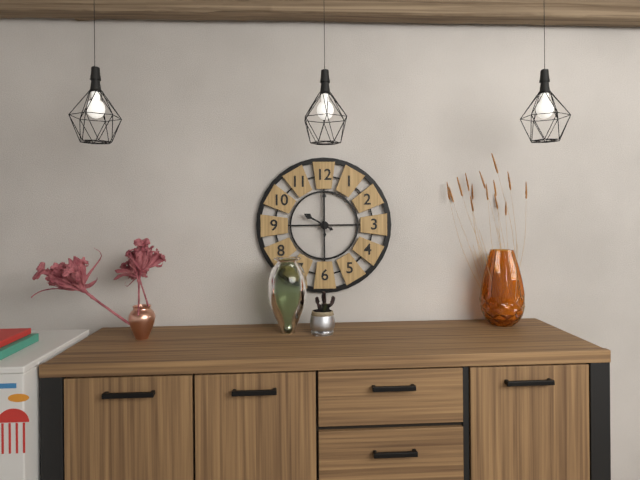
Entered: 10.00
